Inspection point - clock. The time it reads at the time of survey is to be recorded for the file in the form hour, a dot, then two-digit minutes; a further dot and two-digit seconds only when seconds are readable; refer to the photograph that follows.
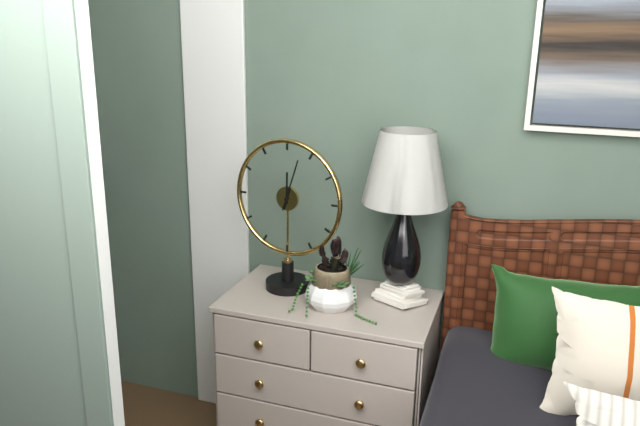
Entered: 12.03
